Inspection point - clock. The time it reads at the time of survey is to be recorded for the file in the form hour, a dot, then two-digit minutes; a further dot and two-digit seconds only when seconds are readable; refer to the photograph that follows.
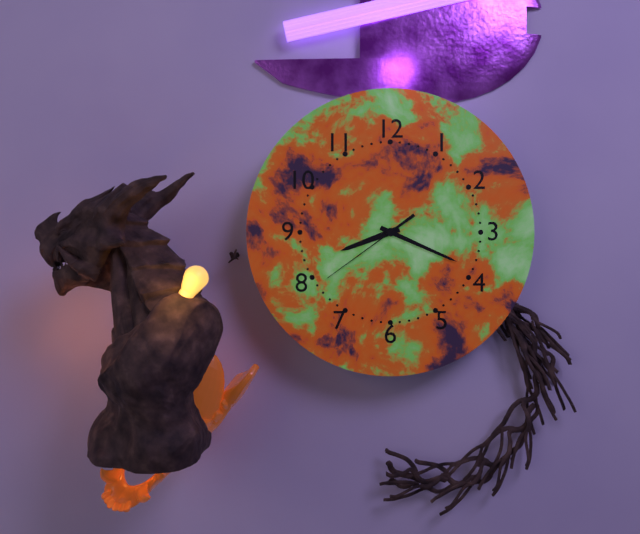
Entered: 8.19.39
